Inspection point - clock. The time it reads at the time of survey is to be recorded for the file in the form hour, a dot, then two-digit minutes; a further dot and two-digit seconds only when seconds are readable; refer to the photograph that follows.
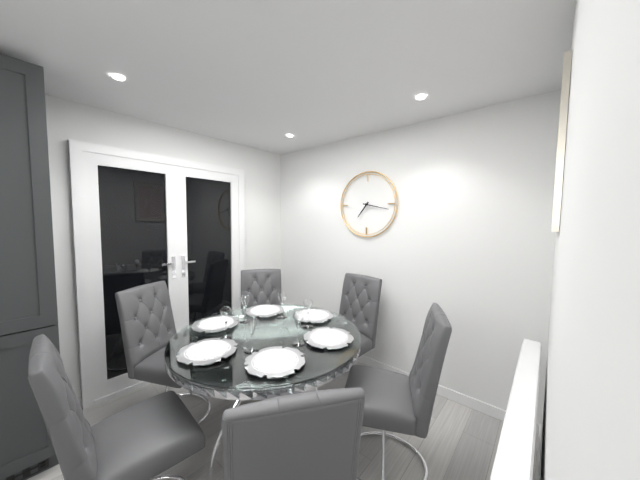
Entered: 7.17
